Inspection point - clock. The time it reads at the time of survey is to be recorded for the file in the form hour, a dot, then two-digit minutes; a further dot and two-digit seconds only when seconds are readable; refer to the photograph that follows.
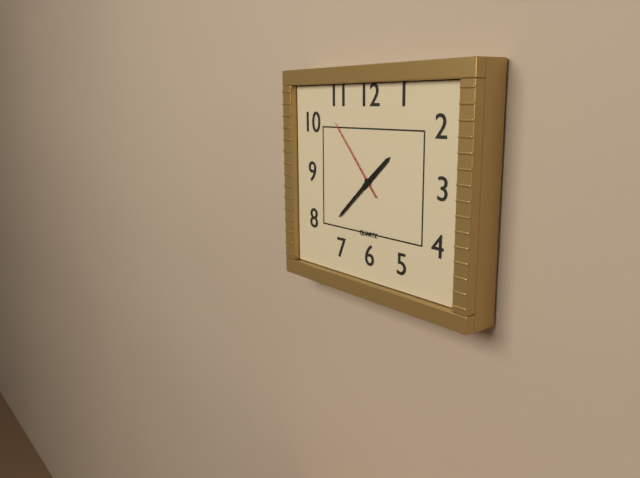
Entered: 1.38.53
